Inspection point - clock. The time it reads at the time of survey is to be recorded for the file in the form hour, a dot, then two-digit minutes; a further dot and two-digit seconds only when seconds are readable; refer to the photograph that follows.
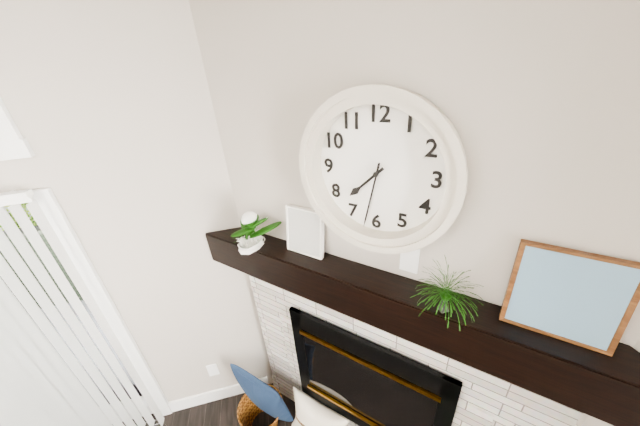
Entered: 7.32
